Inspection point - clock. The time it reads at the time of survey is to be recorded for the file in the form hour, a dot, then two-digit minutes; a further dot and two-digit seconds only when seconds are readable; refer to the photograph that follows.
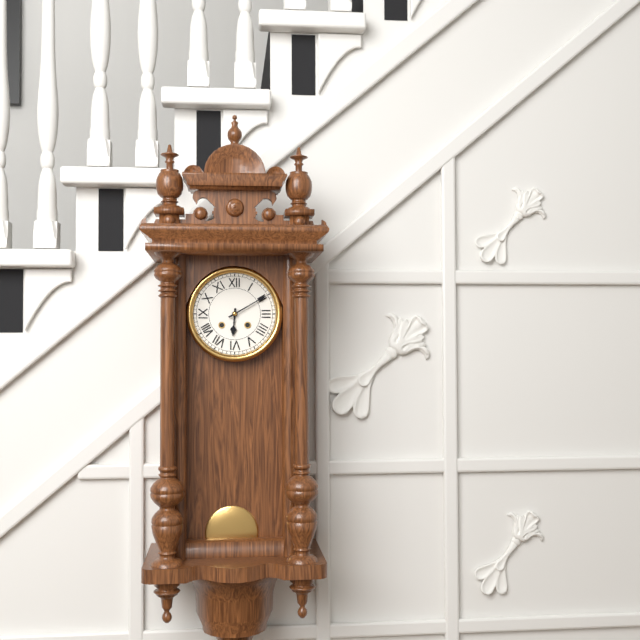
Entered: 6.10
